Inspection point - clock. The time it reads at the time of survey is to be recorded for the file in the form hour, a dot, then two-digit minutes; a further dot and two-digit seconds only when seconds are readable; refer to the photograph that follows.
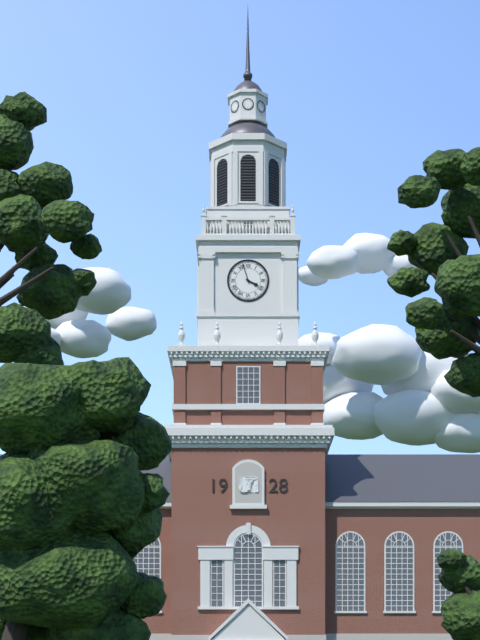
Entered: 3.57
